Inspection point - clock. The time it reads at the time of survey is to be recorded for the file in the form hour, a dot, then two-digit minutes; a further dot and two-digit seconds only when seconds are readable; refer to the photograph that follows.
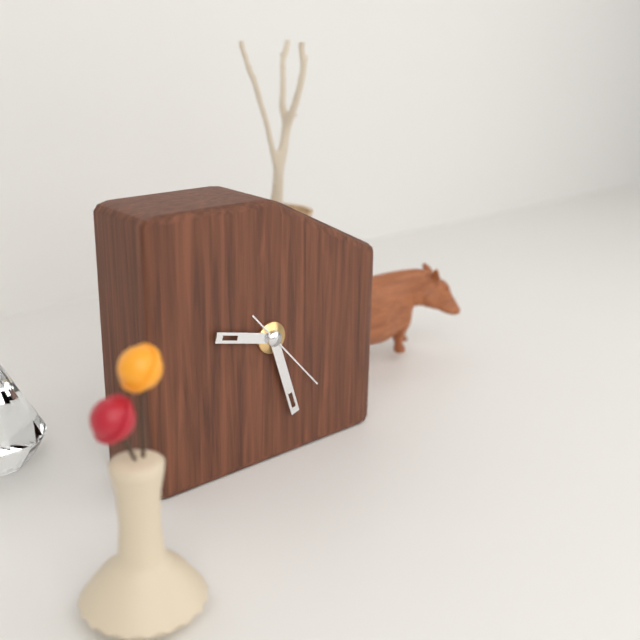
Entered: 9.27.23
